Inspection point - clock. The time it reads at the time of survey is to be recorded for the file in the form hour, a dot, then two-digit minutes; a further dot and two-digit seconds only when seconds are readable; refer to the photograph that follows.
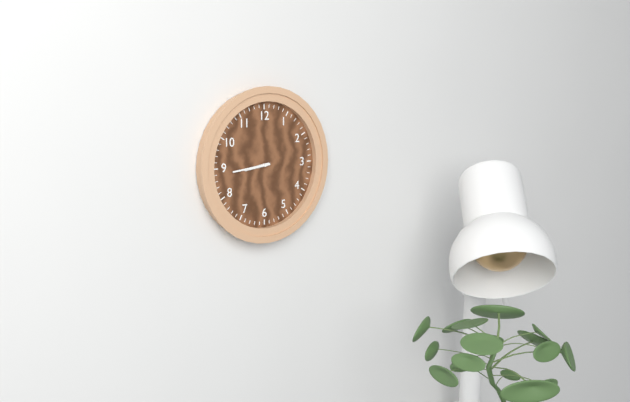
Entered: 8.44
